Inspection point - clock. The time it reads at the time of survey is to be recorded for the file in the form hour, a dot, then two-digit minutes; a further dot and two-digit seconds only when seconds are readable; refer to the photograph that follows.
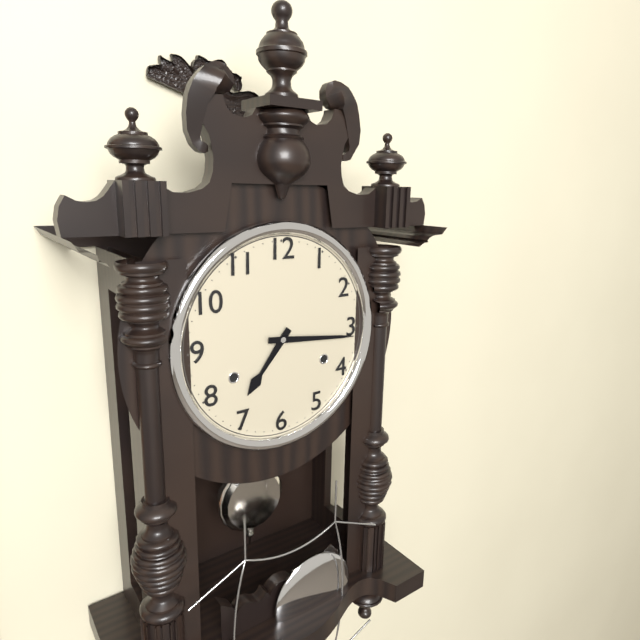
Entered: 7.16
